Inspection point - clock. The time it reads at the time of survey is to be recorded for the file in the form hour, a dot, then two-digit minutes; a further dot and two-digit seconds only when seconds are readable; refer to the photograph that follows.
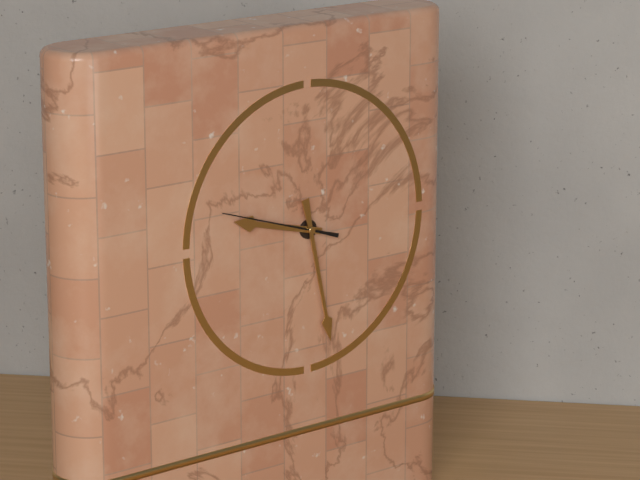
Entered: 9.28.48
